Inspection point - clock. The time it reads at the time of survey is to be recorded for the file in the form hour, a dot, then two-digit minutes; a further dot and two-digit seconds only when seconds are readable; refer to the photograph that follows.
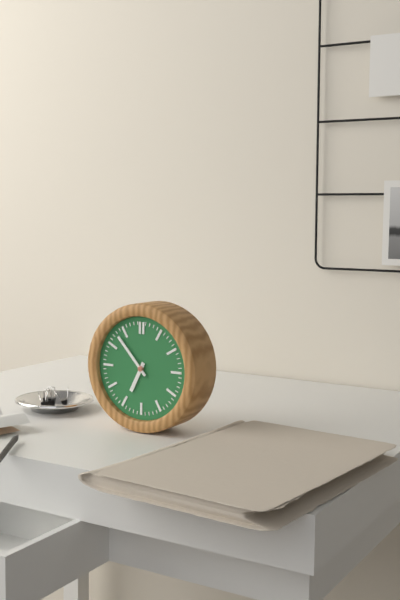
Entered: 6.53
